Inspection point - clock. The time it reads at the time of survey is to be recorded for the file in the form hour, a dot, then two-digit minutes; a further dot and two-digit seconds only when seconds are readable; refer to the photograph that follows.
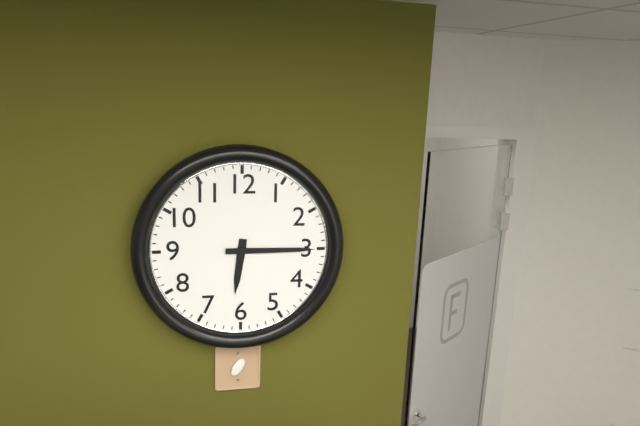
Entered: 6.15
